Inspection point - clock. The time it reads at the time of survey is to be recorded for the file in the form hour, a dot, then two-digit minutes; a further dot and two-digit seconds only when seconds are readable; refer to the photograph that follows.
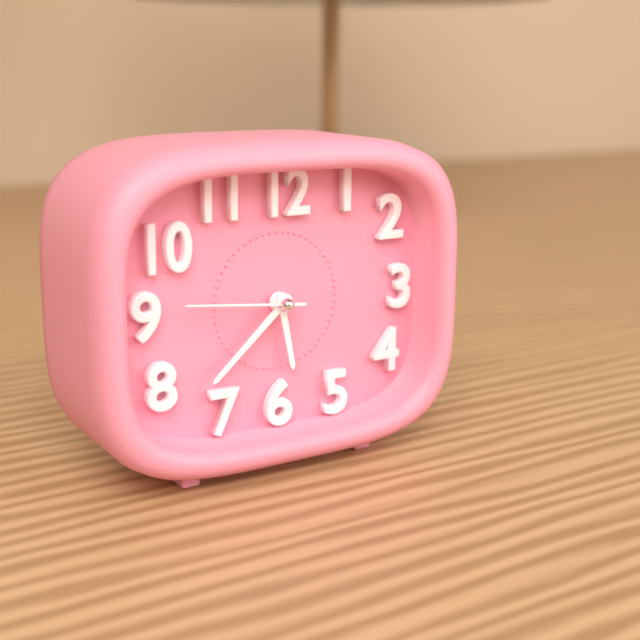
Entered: 5.38.46
